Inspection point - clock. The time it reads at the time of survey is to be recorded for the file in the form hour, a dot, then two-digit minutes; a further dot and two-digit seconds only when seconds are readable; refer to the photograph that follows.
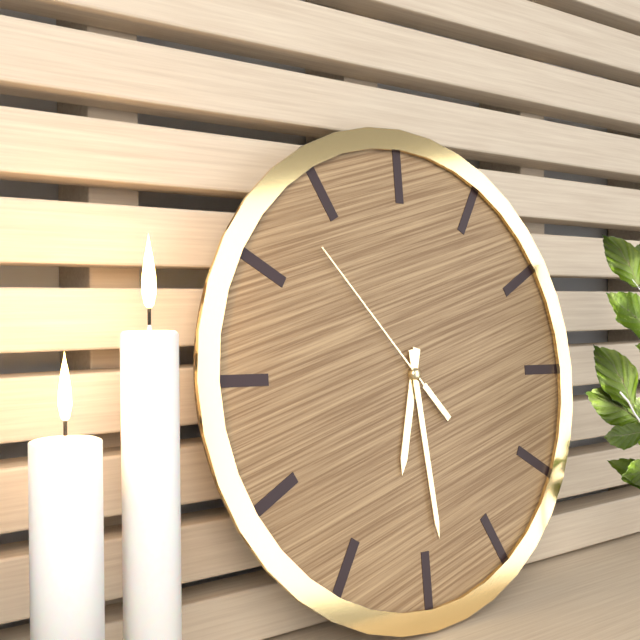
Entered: 6.29.53
